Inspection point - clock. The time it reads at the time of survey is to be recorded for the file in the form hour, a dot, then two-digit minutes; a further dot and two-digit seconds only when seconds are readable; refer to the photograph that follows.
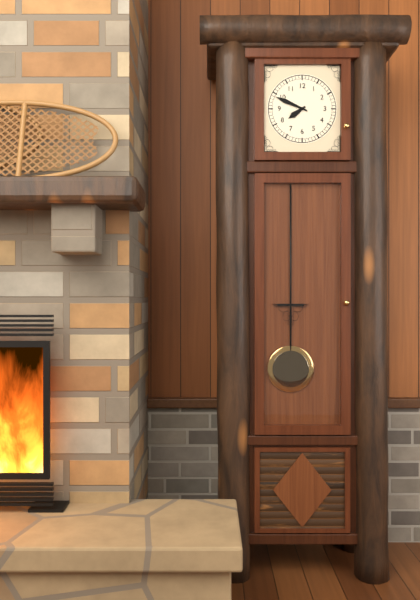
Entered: 7.49
